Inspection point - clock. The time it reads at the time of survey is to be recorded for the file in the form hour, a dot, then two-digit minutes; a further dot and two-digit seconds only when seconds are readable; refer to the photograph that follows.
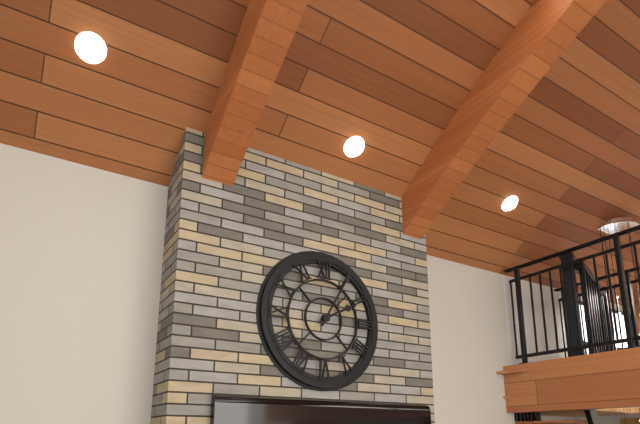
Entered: 2.05
